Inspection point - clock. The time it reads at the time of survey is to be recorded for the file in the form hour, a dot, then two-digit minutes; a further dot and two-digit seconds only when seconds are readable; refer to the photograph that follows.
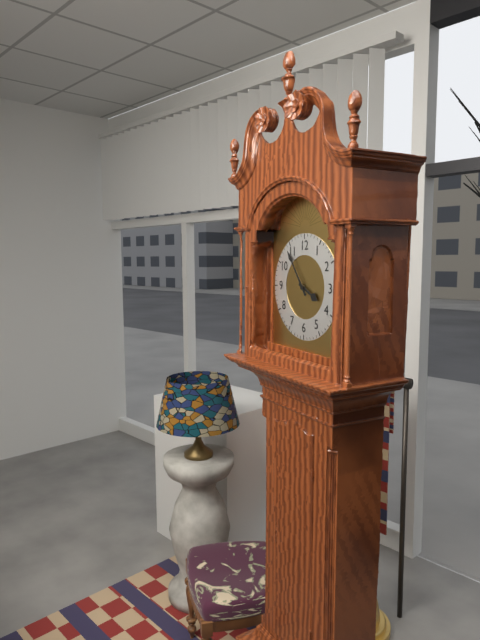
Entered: 3.54
